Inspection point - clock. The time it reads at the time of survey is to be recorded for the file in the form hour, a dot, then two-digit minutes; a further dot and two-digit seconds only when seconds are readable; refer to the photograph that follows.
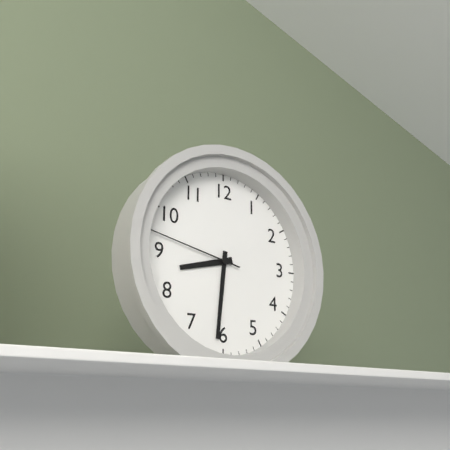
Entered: 8.31.47
